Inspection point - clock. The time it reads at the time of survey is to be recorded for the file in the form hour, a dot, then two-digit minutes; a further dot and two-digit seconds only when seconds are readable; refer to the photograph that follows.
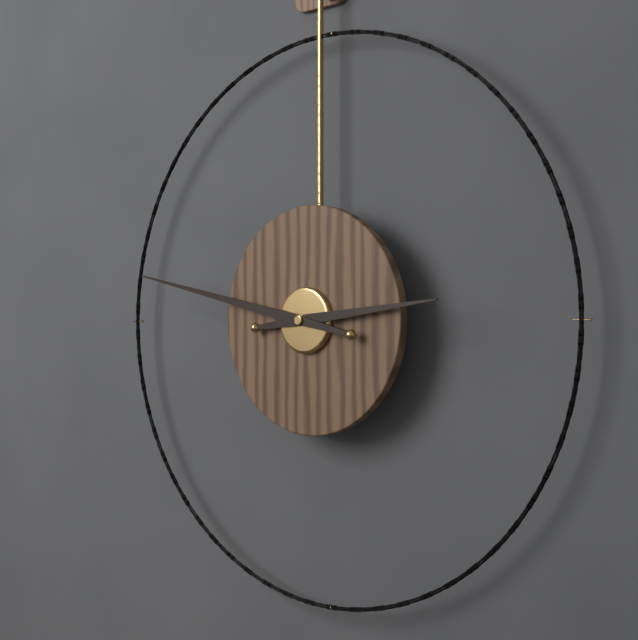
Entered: 2.47
